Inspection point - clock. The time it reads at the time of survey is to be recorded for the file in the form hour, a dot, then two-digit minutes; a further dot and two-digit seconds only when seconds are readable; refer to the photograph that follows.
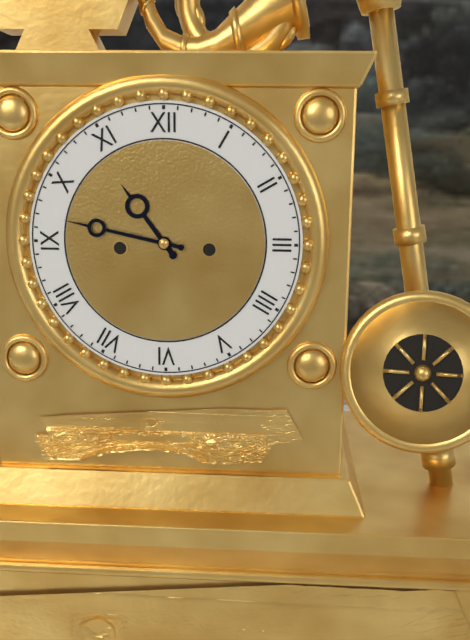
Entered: 10.47
